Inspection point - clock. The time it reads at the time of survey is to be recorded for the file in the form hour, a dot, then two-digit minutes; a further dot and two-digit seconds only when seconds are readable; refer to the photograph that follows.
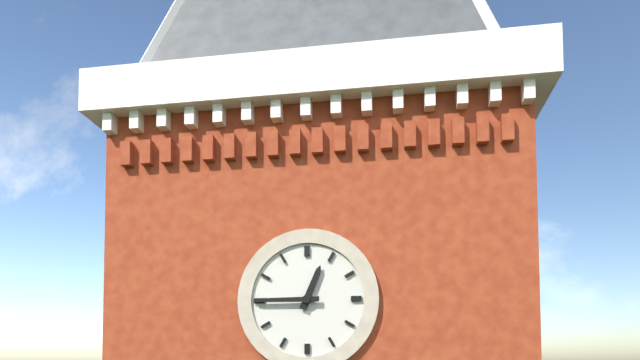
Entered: 12.45
